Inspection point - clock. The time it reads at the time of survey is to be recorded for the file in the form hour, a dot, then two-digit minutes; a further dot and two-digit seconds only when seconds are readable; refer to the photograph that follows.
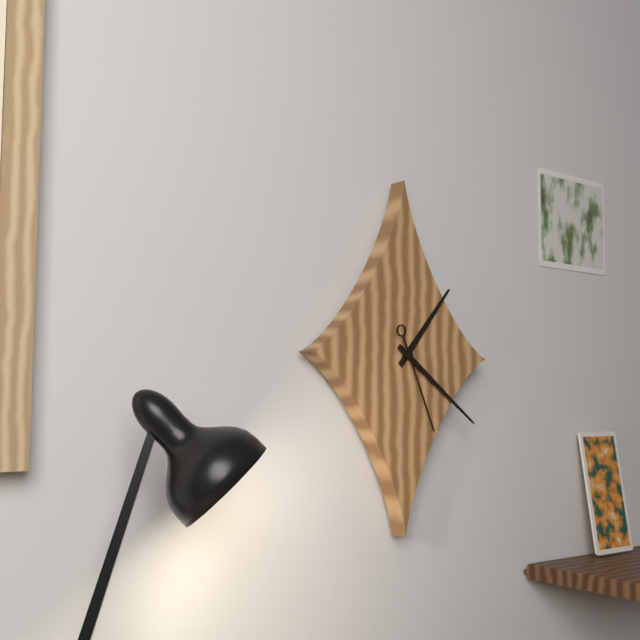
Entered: 1.21.26
